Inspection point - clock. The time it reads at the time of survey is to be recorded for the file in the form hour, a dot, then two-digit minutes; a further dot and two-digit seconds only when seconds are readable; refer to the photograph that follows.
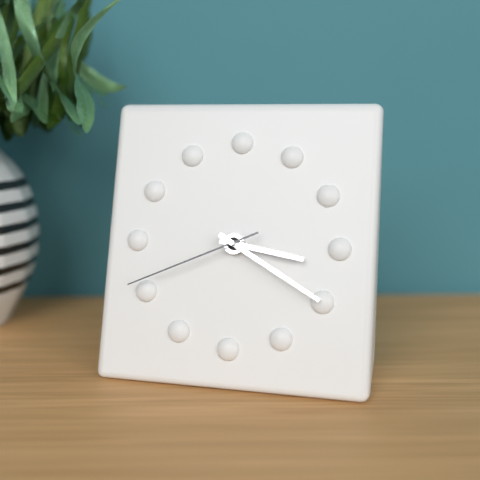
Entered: 3.20.41
